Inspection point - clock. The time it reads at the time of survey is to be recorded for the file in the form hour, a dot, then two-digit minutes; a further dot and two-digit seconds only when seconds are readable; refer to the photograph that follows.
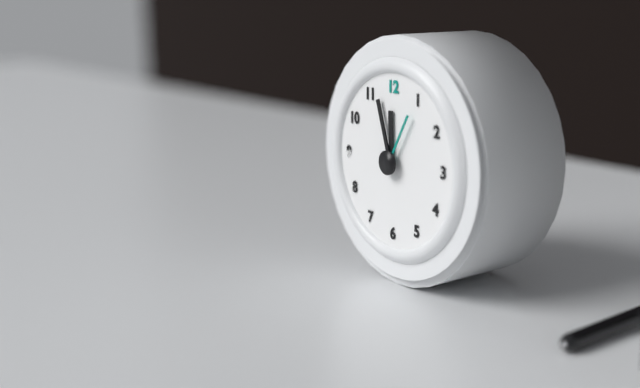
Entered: 11.57.05
